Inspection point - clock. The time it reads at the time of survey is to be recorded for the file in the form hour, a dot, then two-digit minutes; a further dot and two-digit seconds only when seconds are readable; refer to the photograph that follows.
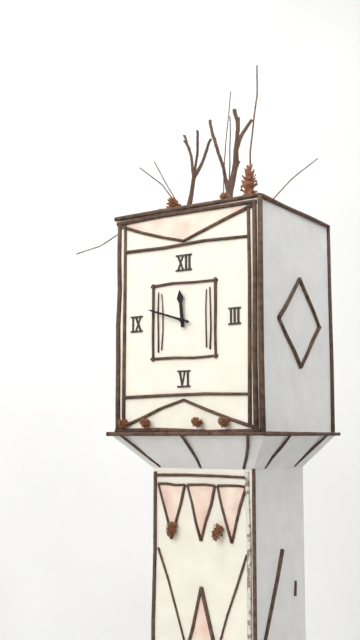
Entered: 11.48
